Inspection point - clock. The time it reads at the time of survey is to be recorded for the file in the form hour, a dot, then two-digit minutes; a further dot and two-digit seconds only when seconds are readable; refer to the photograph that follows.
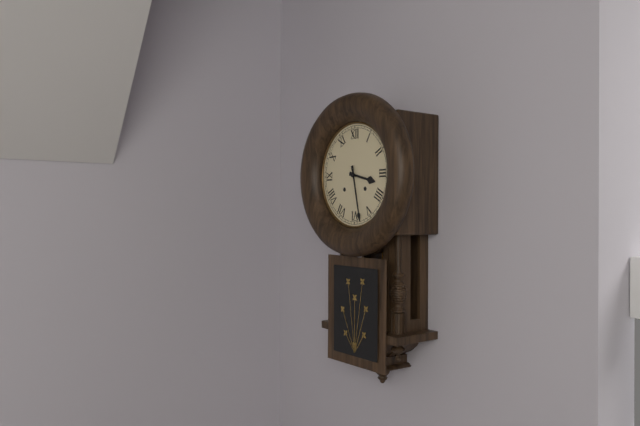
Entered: 3.28
